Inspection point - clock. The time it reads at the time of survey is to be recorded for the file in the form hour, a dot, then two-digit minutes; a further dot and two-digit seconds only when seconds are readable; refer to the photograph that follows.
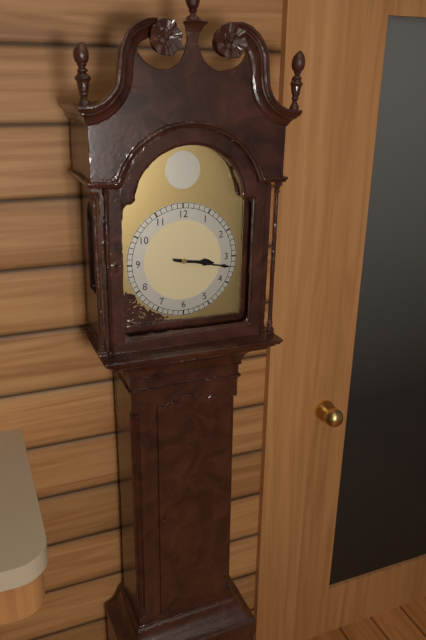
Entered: 3.17
